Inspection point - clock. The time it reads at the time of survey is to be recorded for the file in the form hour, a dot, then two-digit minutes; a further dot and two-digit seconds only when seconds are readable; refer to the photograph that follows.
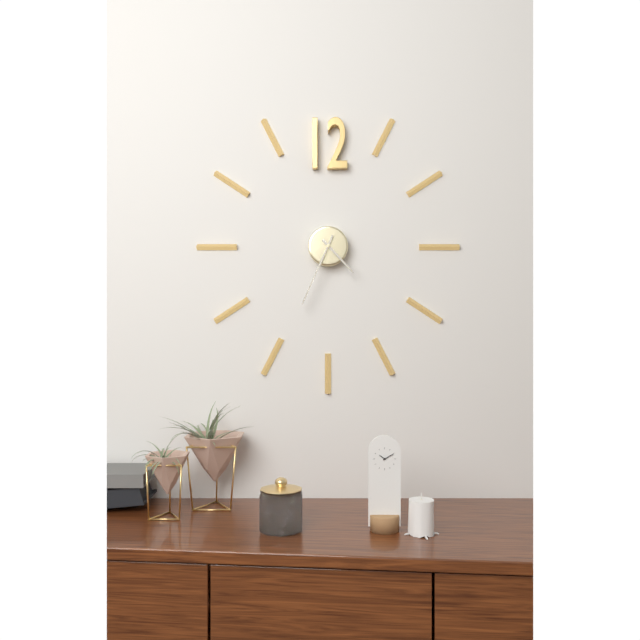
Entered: 4.34
